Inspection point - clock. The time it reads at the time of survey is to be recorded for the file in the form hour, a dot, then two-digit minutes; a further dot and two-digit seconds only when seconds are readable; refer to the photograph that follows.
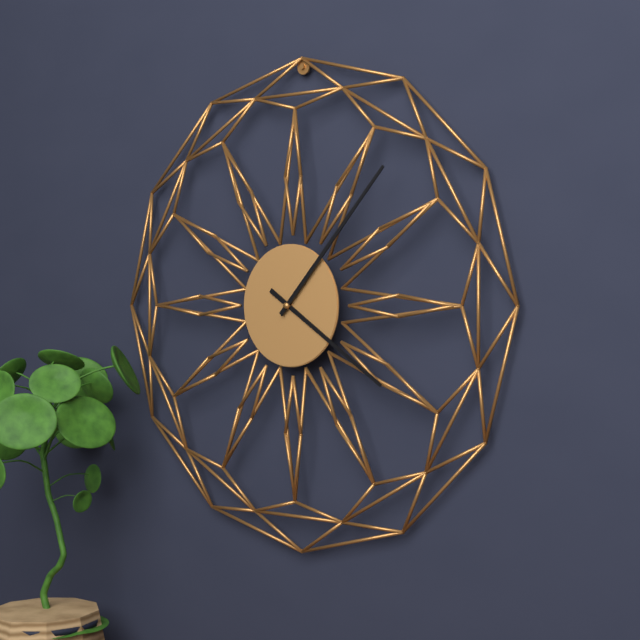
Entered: 4.07
